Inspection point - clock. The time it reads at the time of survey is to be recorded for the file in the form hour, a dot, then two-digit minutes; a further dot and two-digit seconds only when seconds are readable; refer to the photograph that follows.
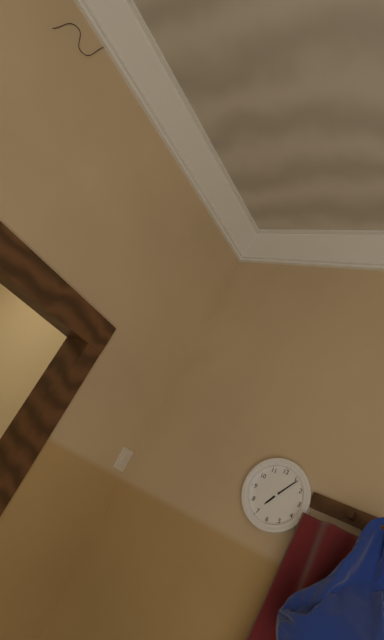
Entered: 7.06
